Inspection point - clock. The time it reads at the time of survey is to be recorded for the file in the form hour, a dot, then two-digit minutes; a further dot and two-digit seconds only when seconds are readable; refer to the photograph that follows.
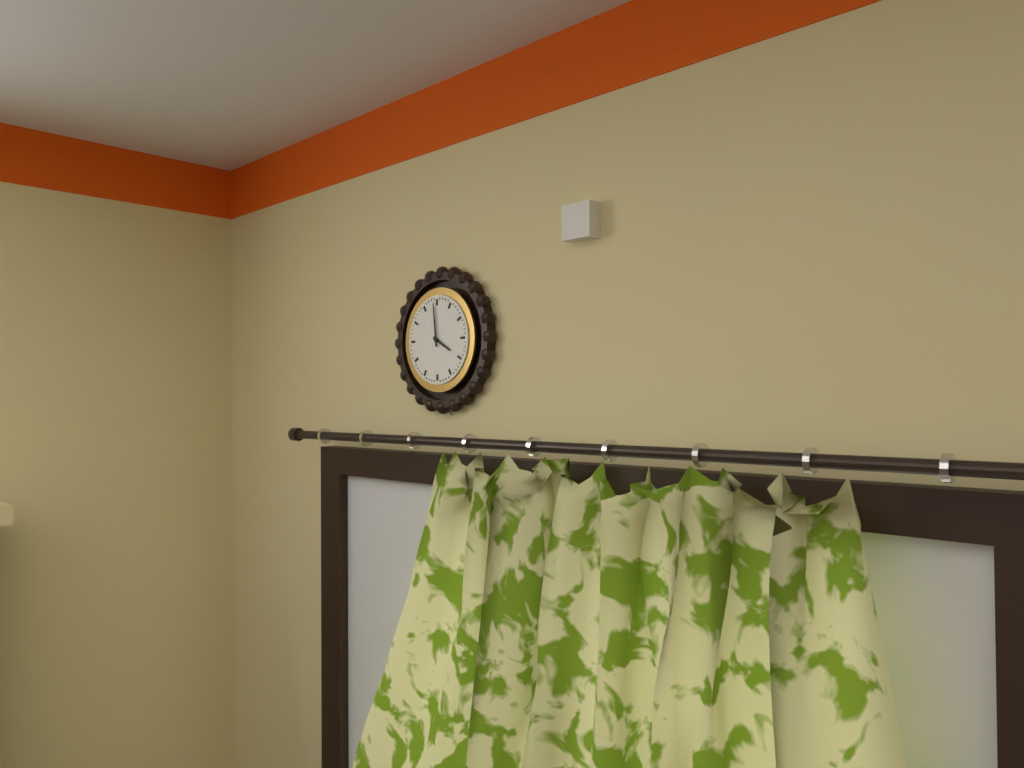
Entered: 3.59
